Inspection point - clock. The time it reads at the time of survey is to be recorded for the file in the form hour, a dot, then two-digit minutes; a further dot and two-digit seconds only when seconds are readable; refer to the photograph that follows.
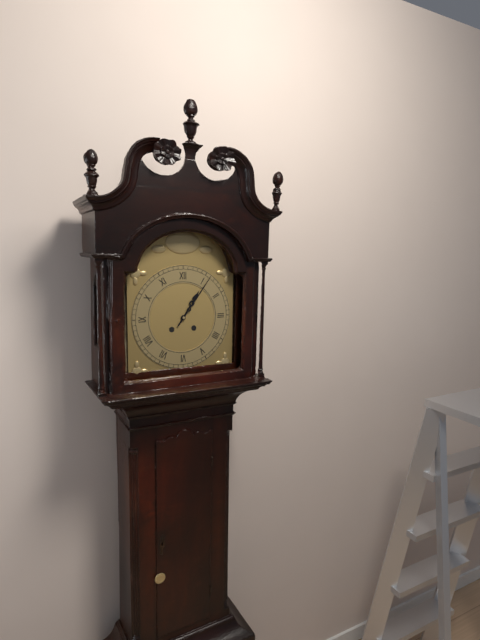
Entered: 1.06
